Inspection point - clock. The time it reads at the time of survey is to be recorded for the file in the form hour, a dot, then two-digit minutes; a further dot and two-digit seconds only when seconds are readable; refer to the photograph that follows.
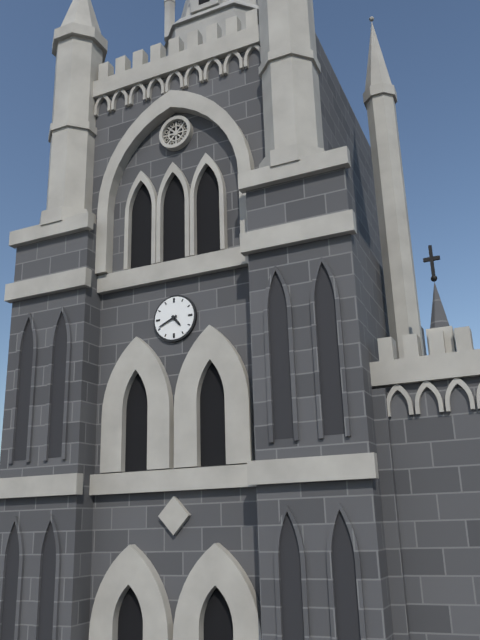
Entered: 4.41
